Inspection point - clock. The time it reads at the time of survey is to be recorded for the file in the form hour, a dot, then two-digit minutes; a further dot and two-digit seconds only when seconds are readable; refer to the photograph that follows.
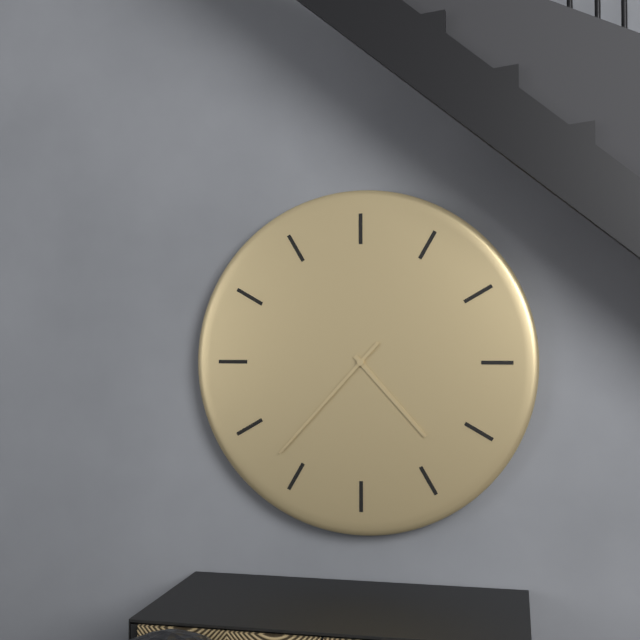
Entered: 4.37
